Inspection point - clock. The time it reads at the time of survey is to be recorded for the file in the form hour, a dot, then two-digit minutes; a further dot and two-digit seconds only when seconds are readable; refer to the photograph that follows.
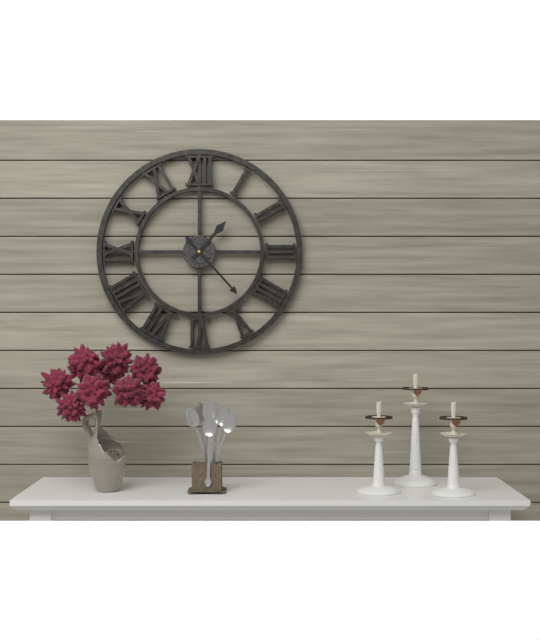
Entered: 1.23
